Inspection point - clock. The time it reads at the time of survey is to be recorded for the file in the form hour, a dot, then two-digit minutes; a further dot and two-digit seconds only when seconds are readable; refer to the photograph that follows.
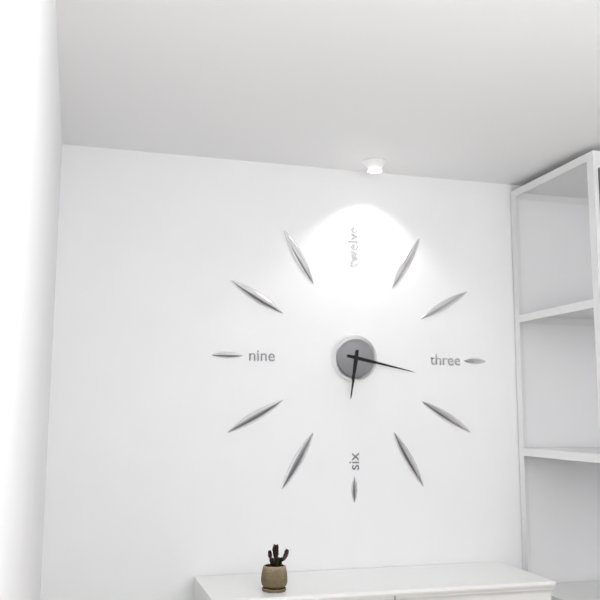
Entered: 6.17
